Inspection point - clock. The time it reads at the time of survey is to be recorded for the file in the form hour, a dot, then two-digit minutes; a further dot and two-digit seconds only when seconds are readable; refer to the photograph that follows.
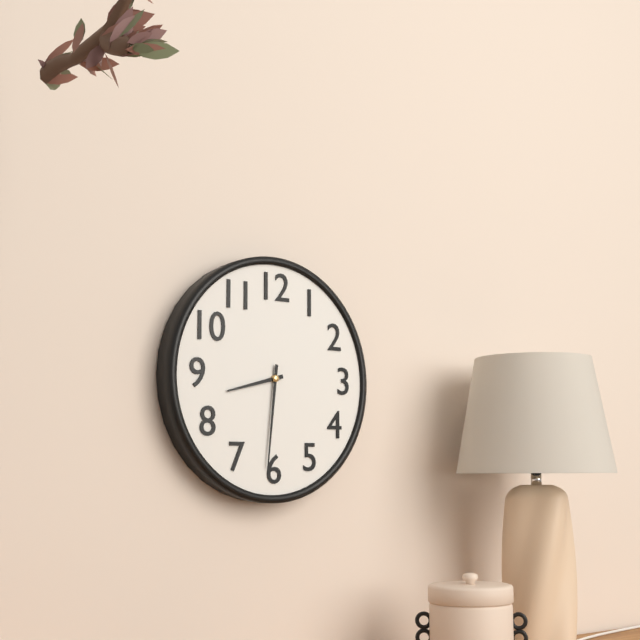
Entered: 8.31
